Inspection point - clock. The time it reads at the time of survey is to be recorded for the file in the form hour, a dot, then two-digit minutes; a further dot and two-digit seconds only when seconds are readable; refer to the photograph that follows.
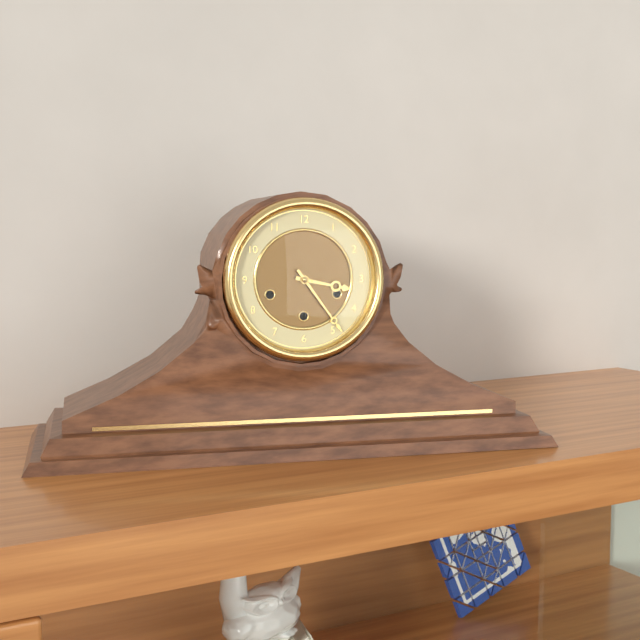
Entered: 3.24
